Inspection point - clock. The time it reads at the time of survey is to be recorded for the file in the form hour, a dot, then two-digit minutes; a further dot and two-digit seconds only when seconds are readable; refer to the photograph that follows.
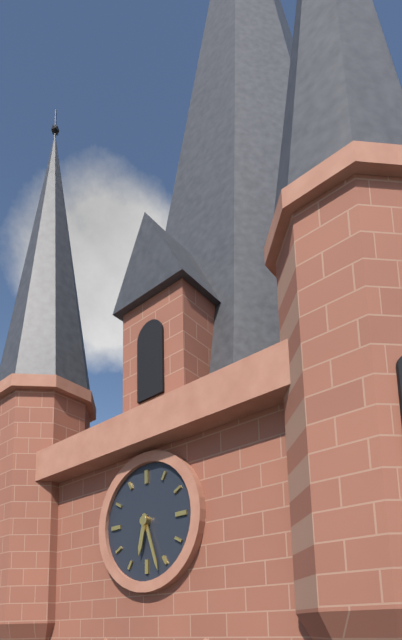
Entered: 6.27
